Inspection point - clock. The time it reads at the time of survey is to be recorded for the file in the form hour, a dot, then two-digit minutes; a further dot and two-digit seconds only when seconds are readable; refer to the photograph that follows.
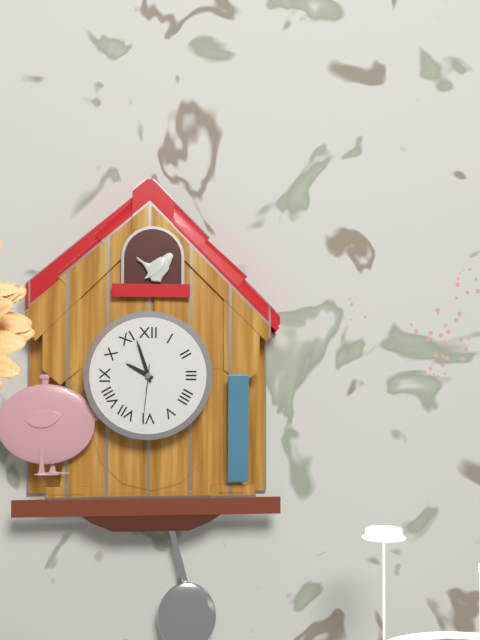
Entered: 9.57.31
